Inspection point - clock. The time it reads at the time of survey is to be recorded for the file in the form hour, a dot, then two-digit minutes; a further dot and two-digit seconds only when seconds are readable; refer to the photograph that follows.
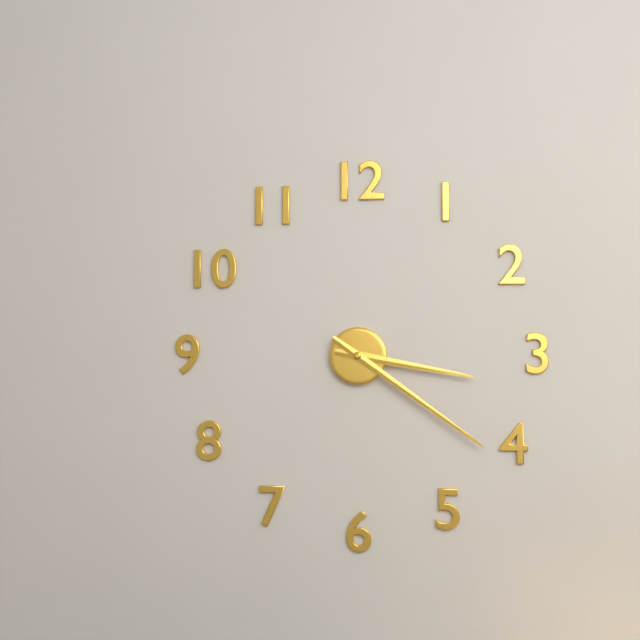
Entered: 3.21
